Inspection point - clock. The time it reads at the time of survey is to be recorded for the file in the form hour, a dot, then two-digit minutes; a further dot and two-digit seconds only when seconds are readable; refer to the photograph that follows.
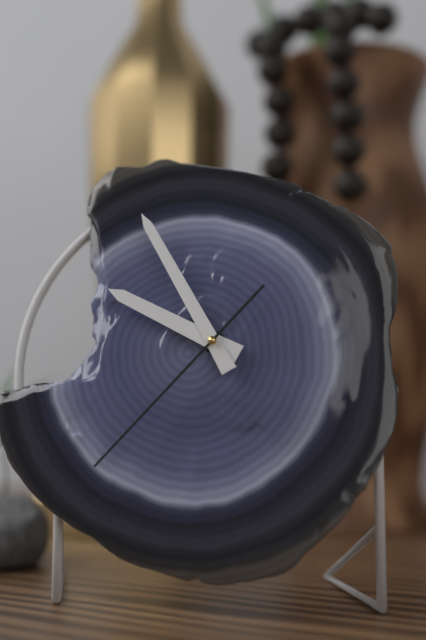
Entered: 9.55.37
